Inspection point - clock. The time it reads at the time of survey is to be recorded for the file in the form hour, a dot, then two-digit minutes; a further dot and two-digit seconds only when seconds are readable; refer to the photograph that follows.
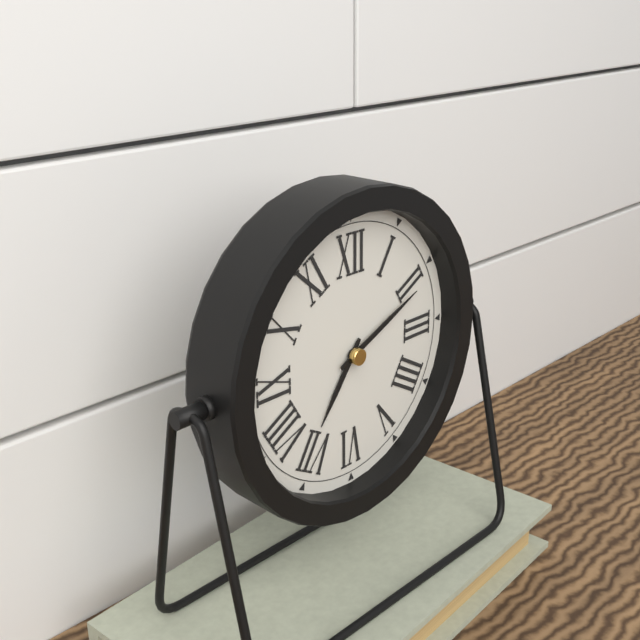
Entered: 7.11
